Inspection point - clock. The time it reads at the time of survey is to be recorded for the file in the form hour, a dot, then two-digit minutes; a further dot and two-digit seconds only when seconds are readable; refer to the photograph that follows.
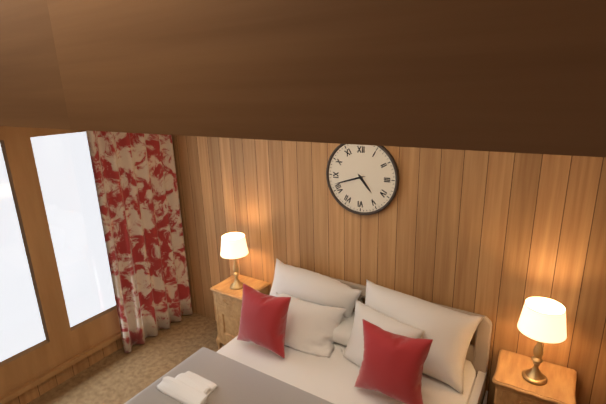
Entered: 4.42
